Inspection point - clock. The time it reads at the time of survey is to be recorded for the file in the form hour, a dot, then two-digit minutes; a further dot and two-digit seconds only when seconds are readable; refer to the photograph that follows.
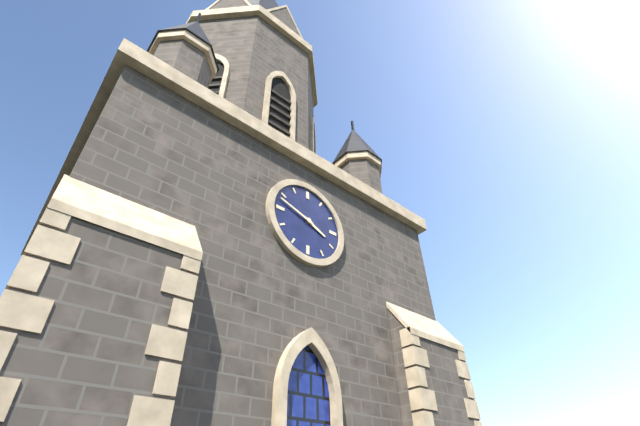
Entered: 3.48
